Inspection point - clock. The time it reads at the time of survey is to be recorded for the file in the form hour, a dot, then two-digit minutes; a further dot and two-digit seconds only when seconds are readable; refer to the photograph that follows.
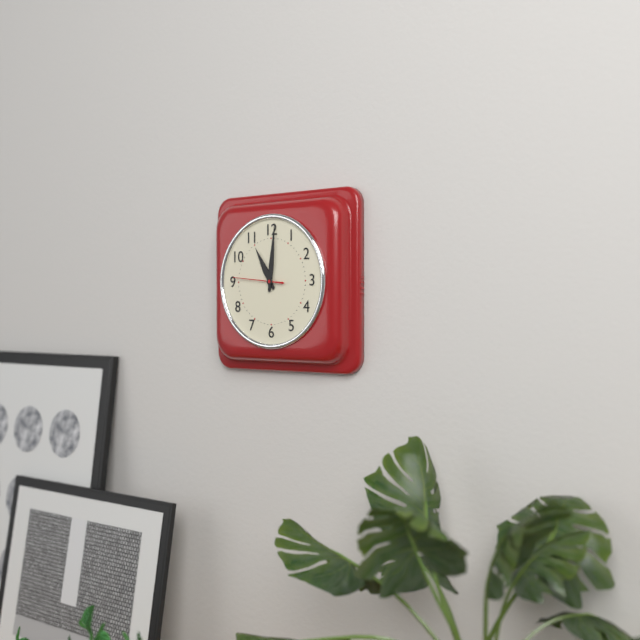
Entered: 11.01
